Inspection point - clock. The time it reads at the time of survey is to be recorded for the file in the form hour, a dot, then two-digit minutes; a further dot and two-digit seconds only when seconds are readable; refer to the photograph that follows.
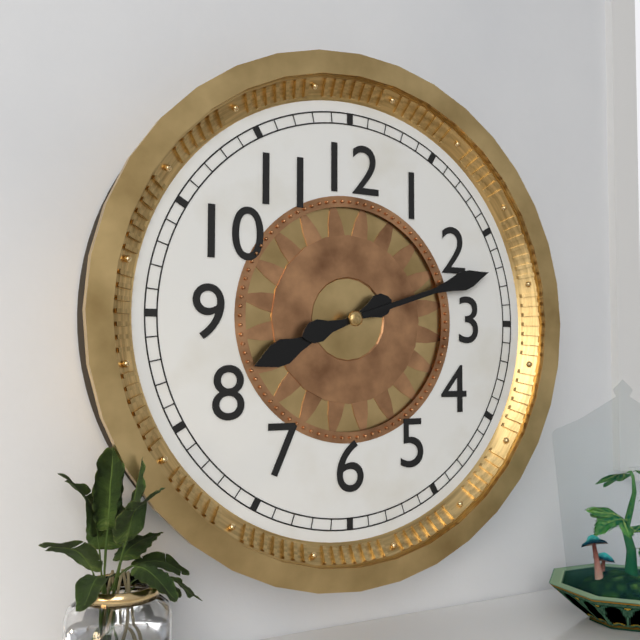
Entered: 8.12
